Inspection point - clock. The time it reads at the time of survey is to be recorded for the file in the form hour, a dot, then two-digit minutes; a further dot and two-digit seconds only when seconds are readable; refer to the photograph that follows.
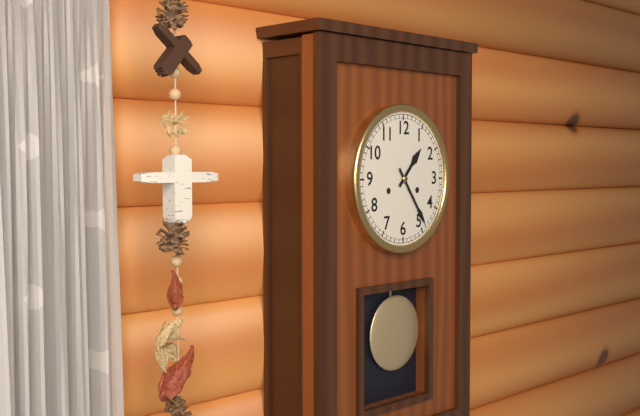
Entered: 1.24
